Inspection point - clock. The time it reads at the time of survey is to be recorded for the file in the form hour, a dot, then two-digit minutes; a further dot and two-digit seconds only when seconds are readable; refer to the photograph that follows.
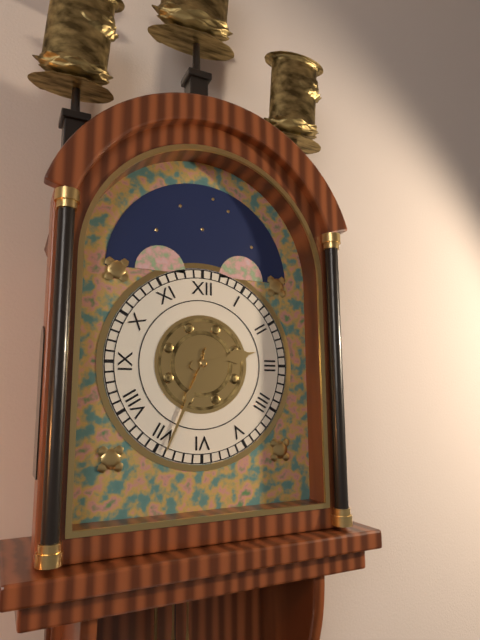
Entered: 2.34
